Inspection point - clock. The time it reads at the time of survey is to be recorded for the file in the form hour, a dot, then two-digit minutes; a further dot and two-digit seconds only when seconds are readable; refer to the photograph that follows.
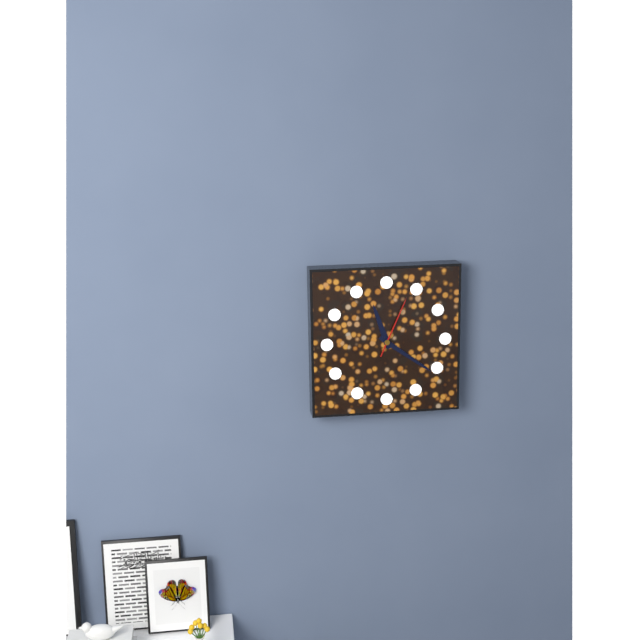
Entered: 11.21.04
